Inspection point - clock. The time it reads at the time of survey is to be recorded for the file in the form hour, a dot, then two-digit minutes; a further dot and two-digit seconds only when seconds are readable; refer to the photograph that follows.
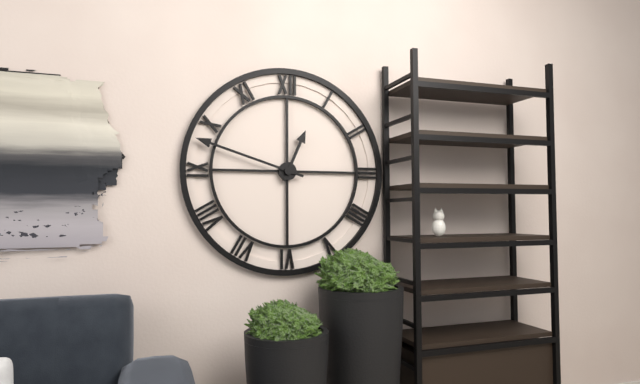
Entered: 12.48
